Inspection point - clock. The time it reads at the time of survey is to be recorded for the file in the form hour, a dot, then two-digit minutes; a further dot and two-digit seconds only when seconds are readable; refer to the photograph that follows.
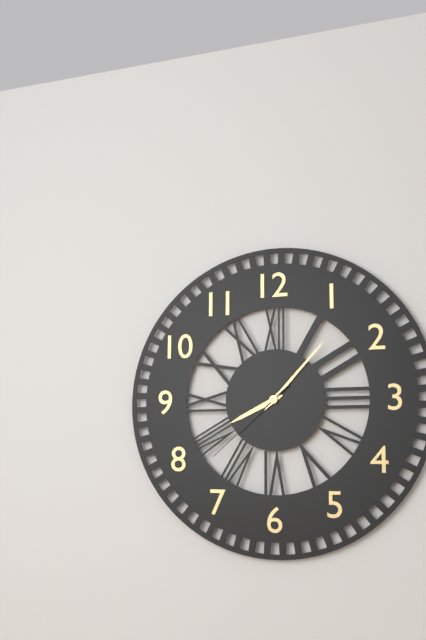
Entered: 8.07.38
